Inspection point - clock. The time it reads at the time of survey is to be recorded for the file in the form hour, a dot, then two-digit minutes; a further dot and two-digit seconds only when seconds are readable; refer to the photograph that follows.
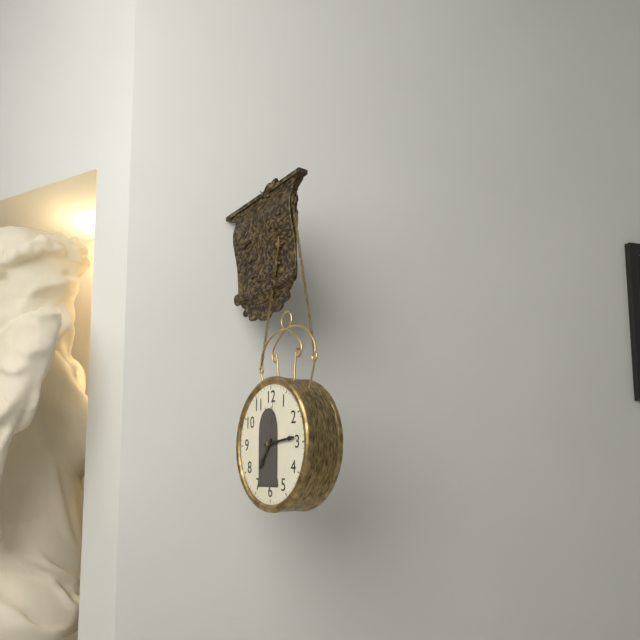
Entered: 7.14.02
